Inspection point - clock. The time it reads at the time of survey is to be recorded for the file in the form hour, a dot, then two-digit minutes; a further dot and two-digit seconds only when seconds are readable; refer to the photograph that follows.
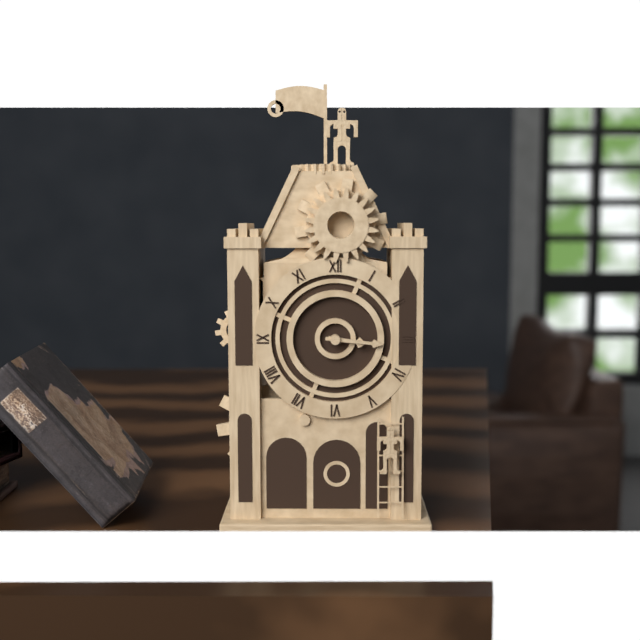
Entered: 3.16
